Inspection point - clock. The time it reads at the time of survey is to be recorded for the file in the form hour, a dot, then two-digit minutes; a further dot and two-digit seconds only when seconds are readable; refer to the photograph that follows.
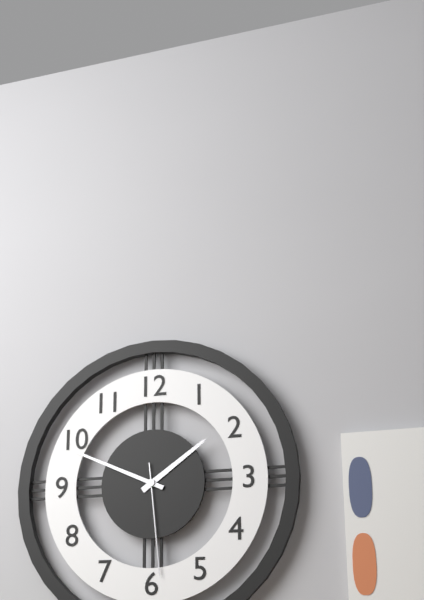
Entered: 1.49.29
